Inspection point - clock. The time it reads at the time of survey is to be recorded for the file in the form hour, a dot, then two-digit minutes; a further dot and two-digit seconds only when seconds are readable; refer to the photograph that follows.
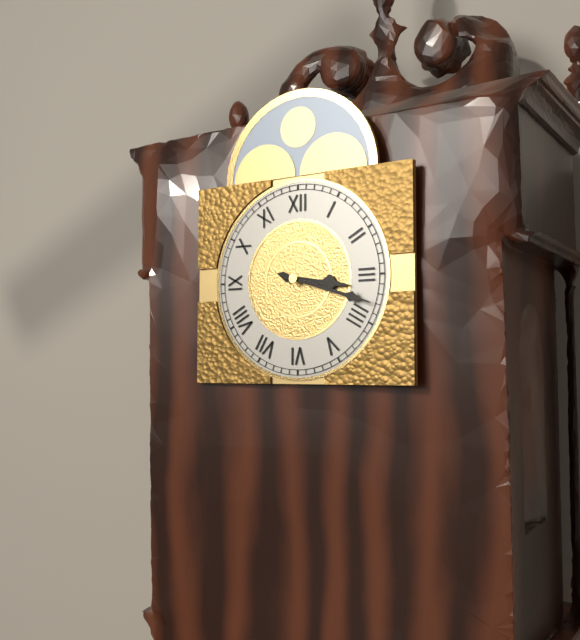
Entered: 3.18
